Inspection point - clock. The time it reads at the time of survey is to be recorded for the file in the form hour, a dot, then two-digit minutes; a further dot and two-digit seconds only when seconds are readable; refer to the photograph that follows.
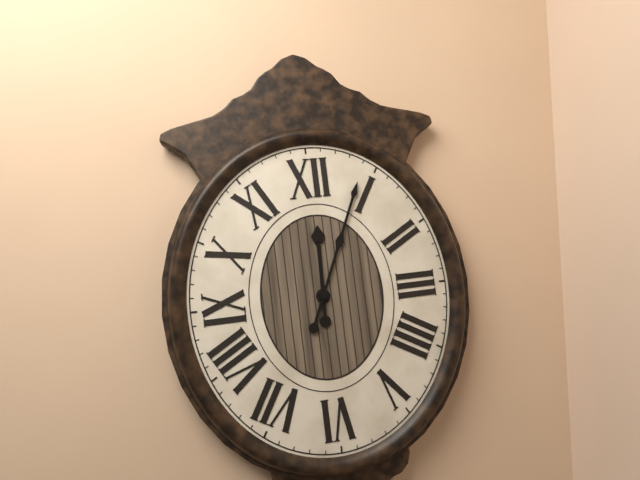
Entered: 12.04
